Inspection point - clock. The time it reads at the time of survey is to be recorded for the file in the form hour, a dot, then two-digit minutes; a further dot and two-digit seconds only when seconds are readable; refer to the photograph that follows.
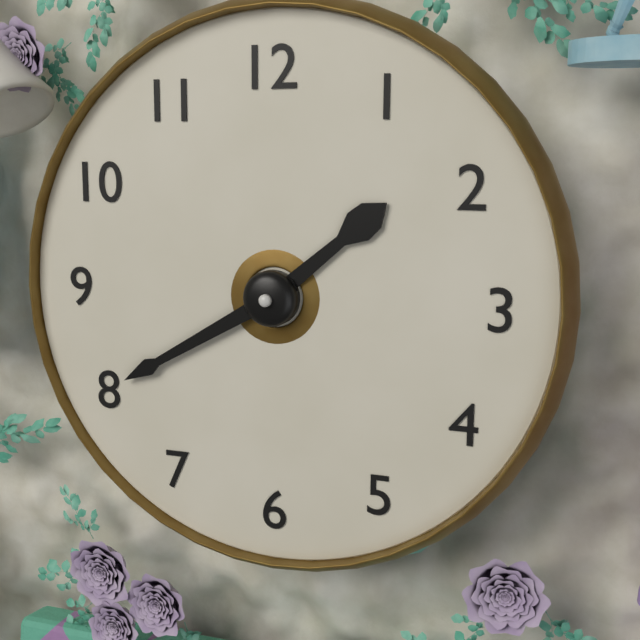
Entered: 1.40
